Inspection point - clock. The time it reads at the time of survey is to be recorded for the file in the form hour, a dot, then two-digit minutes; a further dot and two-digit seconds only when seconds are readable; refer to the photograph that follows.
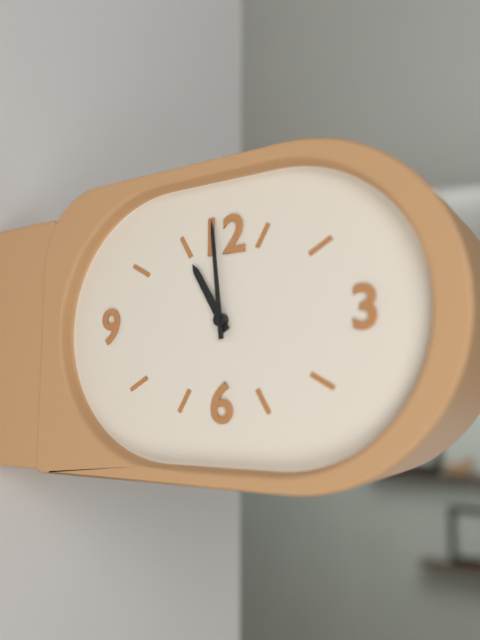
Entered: 10.59
